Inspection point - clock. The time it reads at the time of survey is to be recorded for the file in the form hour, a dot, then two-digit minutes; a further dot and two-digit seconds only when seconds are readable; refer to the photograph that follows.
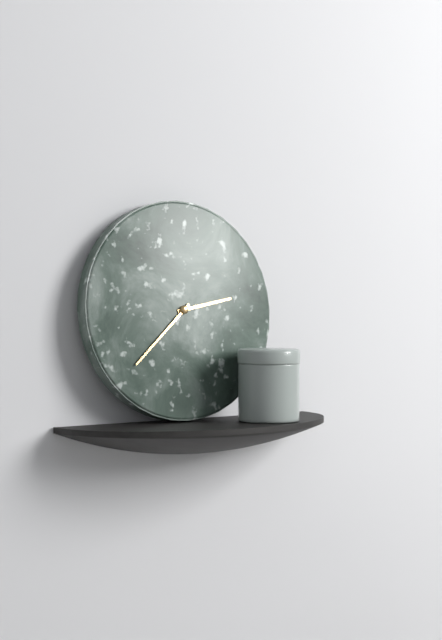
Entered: 2.38
